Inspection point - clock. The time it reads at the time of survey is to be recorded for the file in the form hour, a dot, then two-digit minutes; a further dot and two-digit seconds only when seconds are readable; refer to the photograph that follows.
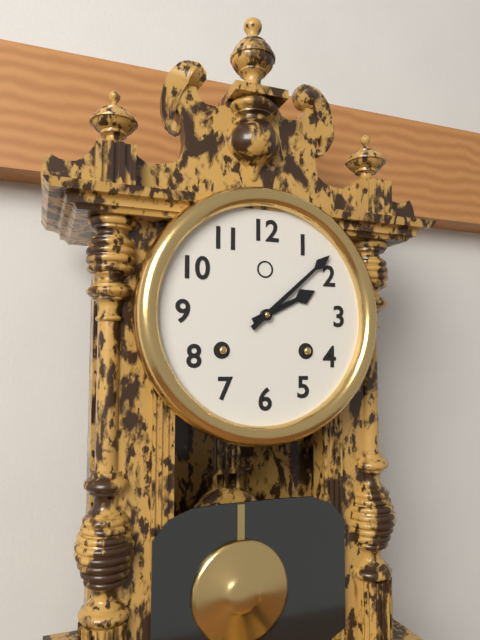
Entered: 2.08
